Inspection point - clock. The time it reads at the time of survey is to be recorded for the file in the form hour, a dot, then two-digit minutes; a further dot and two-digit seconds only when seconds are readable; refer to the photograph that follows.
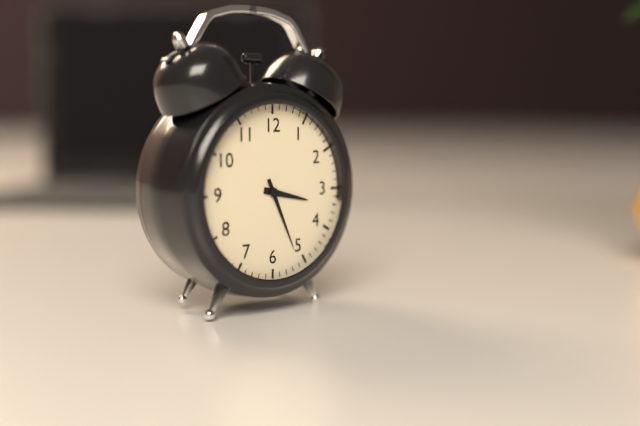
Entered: 3.26
